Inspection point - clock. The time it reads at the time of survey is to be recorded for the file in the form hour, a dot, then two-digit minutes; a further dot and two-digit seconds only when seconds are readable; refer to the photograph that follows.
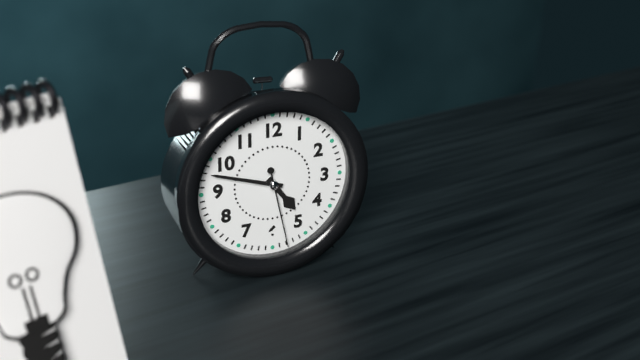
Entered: 4.48.28
